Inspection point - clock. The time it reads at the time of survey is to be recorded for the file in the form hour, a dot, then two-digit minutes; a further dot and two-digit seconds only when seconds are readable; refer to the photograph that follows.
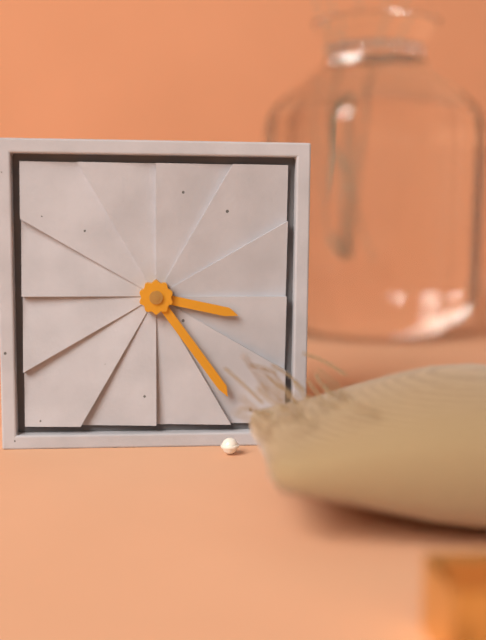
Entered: 3.24
